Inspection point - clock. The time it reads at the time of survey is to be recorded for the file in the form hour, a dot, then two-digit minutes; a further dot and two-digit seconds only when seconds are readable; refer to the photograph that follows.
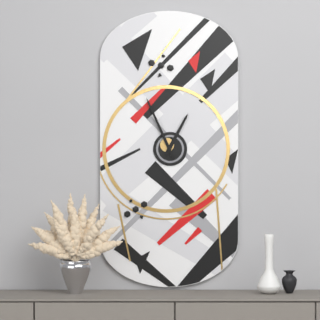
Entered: 12.56
